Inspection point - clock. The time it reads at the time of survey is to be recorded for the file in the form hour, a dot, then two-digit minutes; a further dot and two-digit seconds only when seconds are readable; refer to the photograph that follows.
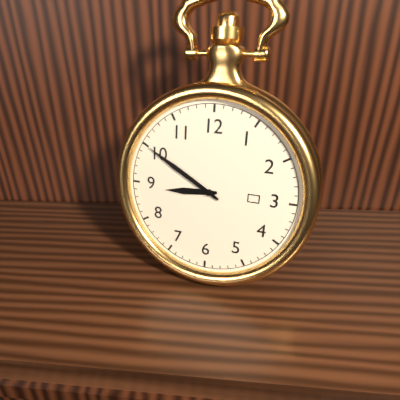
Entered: 8.50
